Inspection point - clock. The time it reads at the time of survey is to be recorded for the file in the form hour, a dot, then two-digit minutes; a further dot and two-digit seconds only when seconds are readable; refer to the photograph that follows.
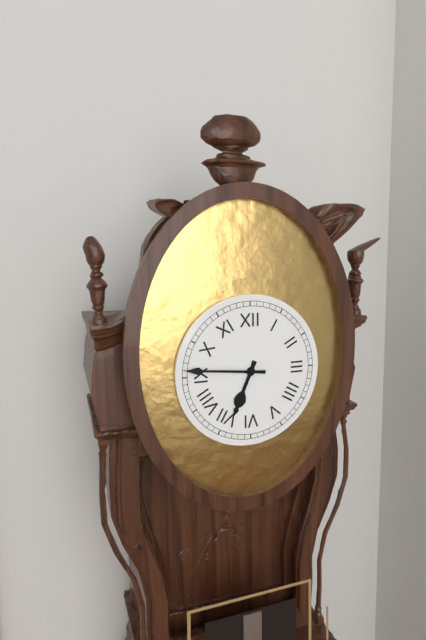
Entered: 6.46
